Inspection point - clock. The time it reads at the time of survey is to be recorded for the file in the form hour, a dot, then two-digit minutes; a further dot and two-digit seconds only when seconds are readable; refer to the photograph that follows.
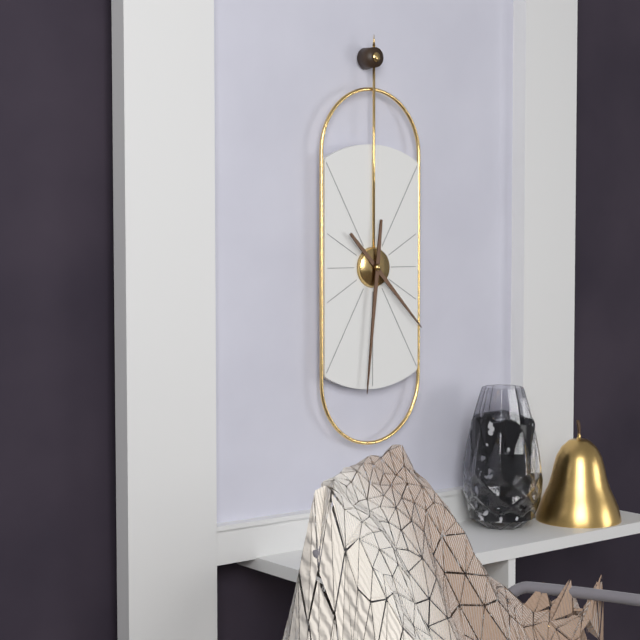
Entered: 4.31
